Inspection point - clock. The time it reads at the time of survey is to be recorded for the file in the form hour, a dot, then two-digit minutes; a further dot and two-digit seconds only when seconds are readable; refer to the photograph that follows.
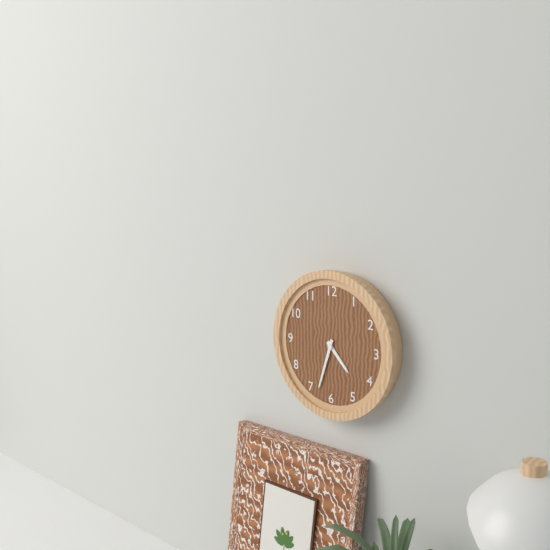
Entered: 4.33
